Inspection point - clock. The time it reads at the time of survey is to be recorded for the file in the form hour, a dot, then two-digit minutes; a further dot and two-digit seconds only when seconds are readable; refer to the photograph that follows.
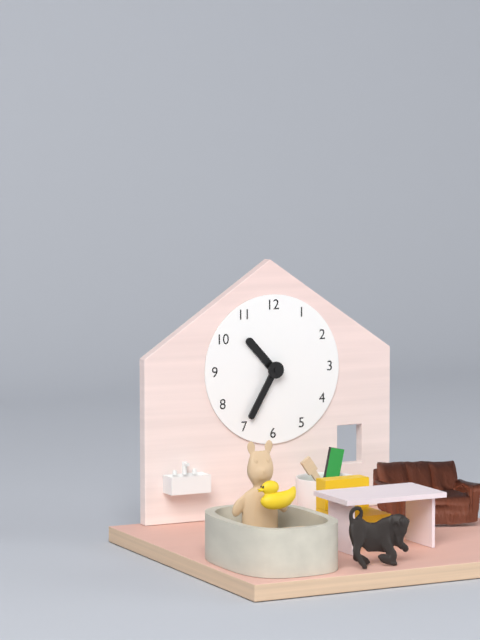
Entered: 10.35
